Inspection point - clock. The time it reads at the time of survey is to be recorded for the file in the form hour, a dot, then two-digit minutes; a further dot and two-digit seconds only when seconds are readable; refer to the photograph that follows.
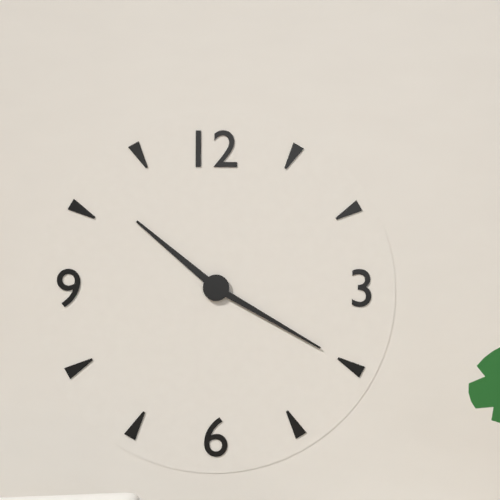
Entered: 10.20
